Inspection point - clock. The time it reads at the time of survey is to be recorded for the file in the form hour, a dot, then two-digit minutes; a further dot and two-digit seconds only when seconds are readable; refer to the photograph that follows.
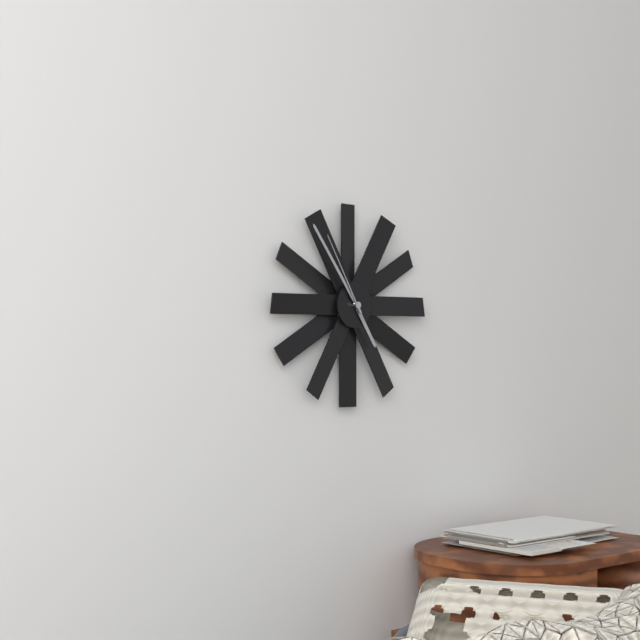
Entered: 4.54.55
